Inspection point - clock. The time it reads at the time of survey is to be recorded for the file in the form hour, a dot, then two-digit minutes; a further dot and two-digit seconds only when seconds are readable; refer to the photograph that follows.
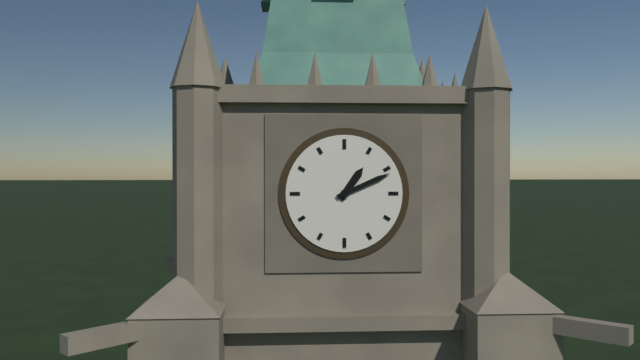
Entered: 1.11
